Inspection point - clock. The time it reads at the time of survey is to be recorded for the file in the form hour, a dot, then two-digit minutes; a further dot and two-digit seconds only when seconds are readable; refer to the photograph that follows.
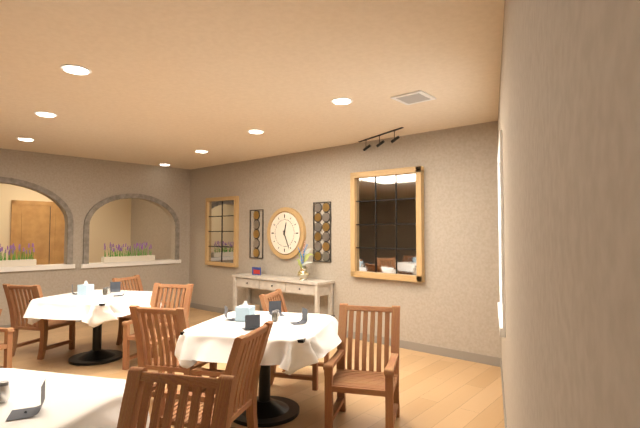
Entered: 12.26
